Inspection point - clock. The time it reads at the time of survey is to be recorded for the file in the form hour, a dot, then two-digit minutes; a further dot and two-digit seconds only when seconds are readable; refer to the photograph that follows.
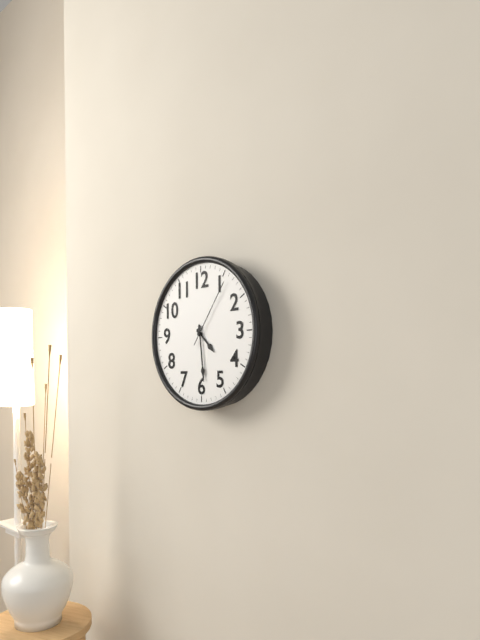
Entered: 4.29.06
